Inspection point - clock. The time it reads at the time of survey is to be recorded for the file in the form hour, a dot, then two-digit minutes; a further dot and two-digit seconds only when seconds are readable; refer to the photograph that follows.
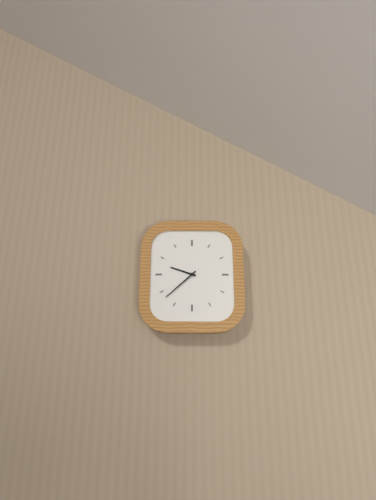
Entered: 9.38
